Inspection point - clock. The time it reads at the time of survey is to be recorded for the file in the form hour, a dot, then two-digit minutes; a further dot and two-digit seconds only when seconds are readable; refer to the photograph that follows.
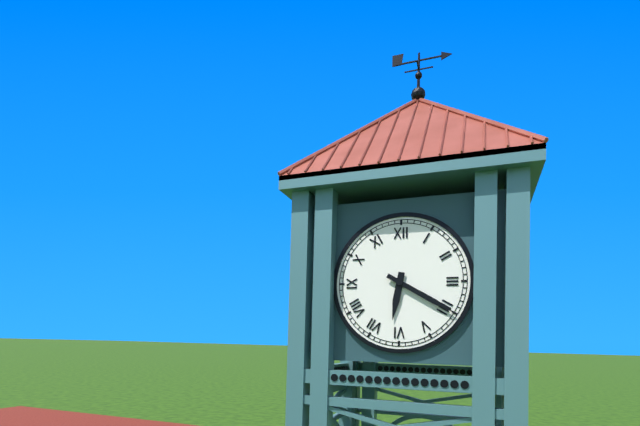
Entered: 6.20
